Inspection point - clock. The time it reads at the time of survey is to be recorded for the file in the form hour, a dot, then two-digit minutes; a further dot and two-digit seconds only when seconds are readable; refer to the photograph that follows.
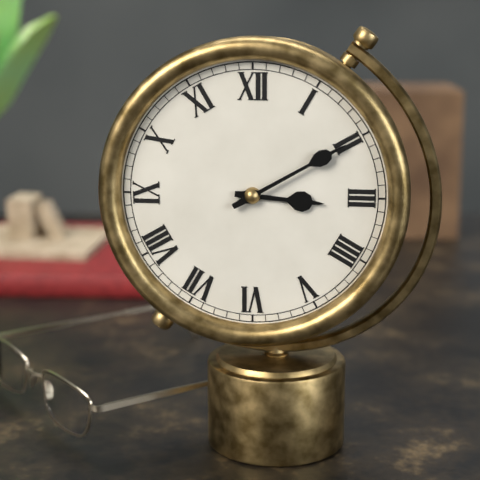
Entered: 3.10
